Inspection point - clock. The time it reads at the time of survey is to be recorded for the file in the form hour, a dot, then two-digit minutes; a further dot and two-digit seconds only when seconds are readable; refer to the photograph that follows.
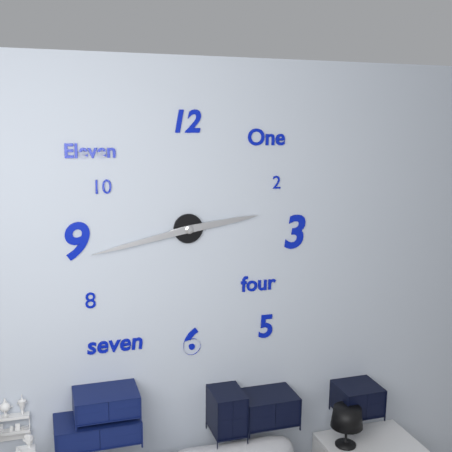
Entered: 2.43
